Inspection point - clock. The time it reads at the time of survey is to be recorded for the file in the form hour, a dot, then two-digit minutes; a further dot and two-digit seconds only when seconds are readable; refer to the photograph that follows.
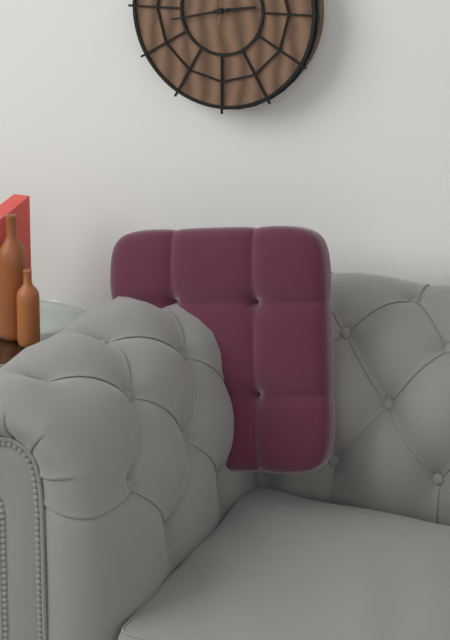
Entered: 2.43
